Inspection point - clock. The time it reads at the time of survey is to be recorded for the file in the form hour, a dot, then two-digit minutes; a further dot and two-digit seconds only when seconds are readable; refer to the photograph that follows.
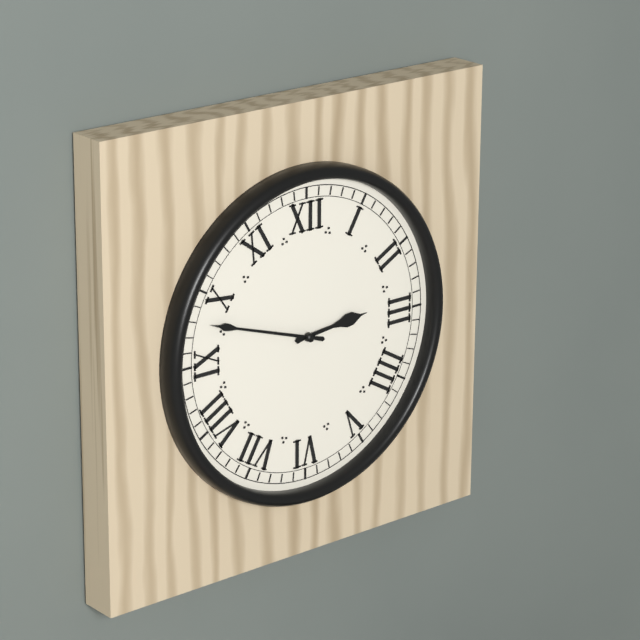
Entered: 2.48
